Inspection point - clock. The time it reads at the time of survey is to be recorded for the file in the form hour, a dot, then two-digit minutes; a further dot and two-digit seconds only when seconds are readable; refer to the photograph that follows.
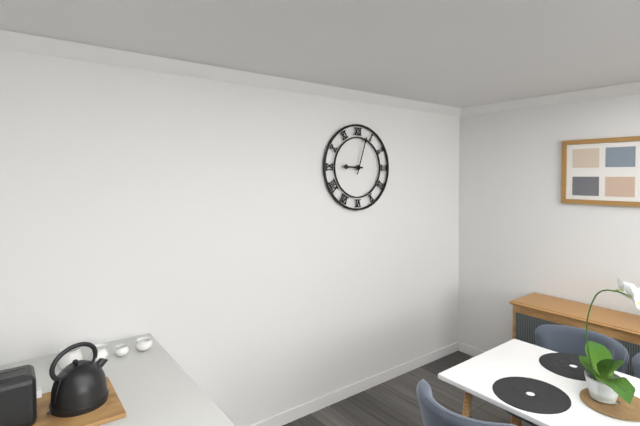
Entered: 9.03
